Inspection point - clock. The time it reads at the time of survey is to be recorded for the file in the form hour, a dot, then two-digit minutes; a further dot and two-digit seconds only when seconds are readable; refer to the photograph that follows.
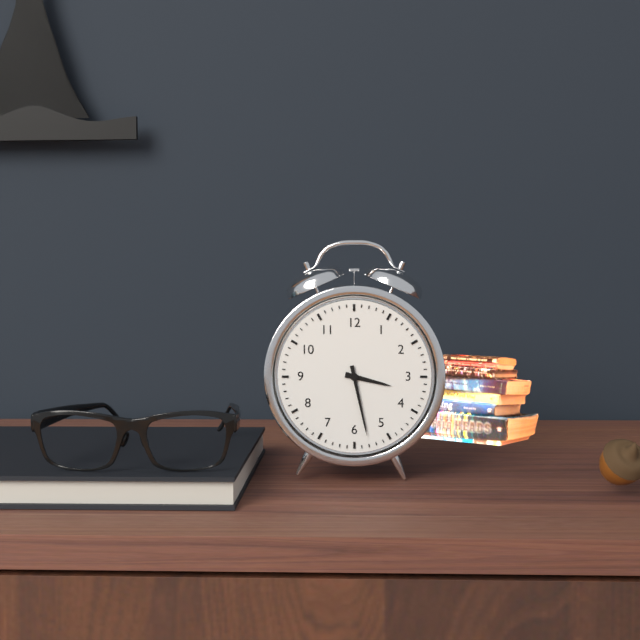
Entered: 3.28
